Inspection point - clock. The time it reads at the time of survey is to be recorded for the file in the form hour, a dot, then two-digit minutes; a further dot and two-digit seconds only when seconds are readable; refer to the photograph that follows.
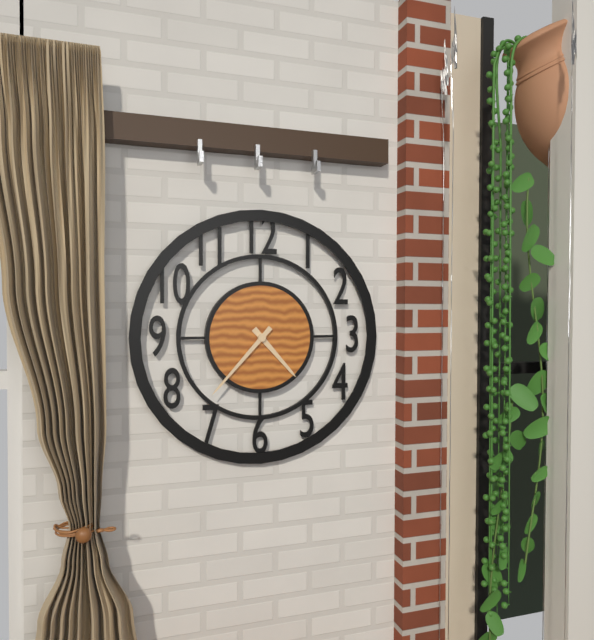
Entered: 4.37
